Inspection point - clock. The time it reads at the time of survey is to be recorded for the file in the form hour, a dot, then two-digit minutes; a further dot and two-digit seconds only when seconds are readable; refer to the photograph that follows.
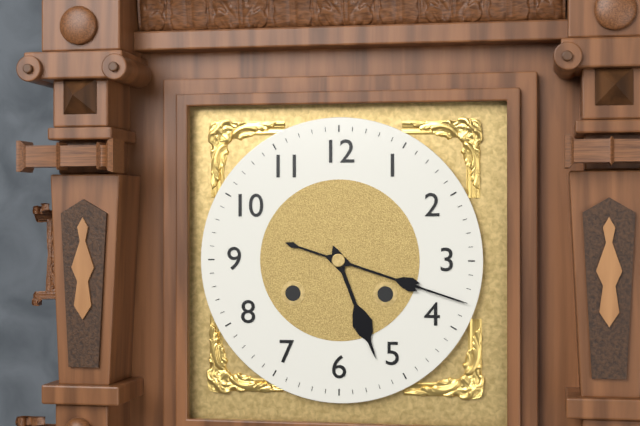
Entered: 5.18
